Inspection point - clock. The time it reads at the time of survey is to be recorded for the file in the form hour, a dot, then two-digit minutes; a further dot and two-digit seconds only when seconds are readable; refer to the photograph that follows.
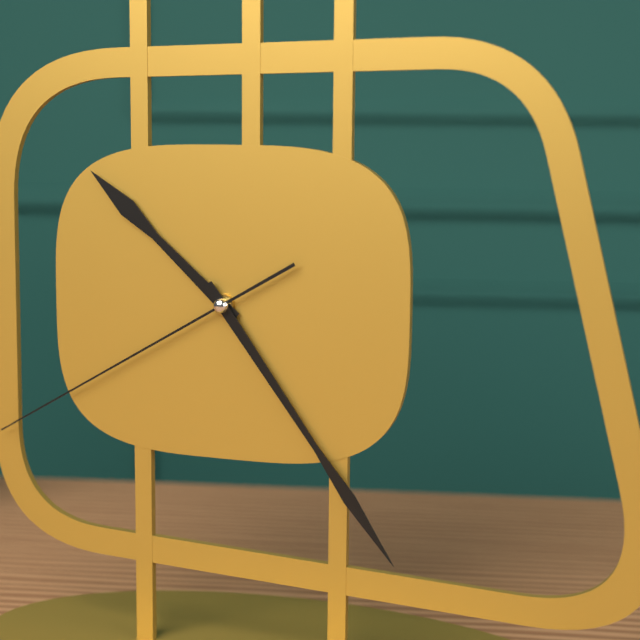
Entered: 10.24.40
